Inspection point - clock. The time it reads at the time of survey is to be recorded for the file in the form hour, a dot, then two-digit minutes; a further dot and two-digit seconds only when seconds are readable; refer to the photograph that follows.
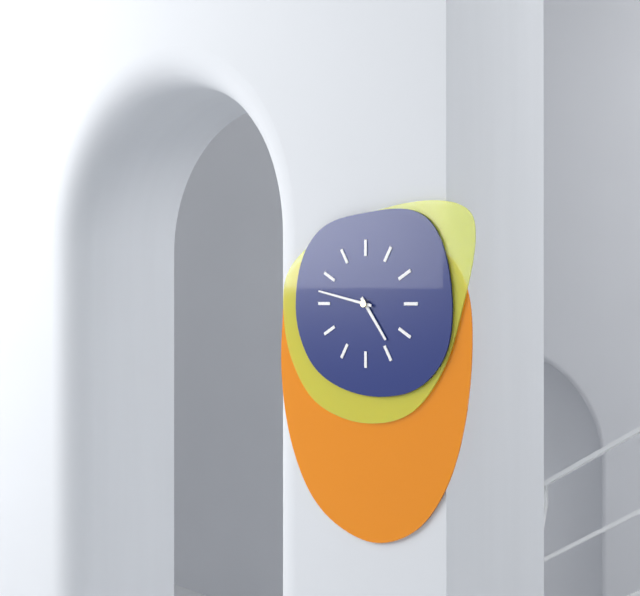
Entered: 4.47
